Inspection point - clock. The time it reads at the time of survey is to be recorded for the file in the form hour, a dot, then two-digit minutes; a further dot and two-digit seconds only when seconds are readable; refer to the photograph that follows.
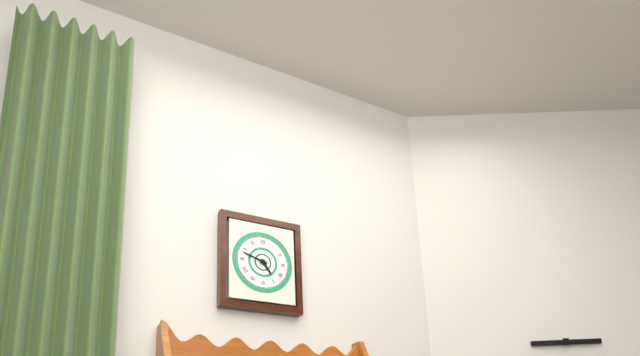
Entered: 4.48
